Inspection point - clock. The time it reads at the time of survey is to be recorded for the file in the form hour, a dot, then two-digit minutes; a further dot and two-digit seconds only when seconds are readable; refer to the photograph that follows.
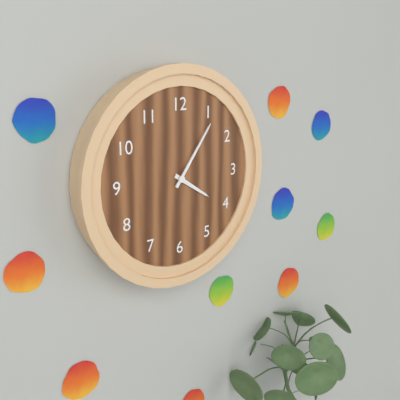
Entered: 4.06
